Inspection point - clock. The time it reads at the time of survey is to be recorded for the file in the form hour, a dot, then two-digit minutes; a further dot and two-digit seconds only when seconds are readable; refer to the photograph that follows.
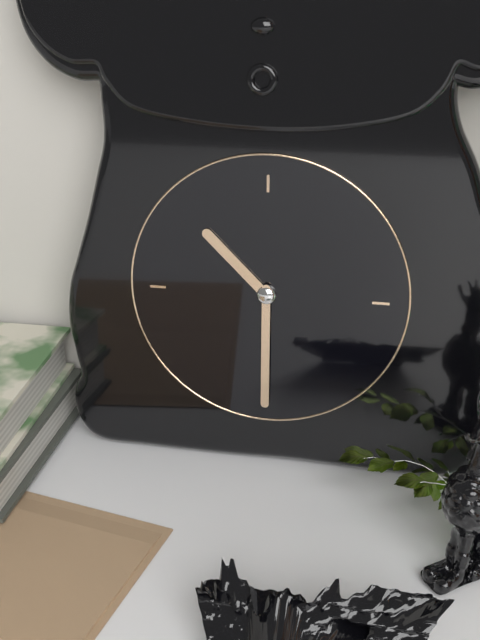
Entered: 10.30
